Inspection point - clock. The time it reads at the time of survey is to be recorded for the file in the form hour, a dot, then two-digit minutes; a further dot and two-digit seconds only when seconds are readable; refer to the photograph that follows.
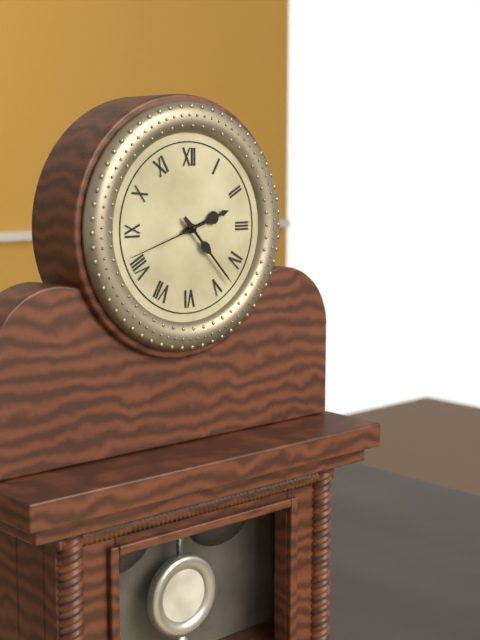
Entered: 2.23.42
